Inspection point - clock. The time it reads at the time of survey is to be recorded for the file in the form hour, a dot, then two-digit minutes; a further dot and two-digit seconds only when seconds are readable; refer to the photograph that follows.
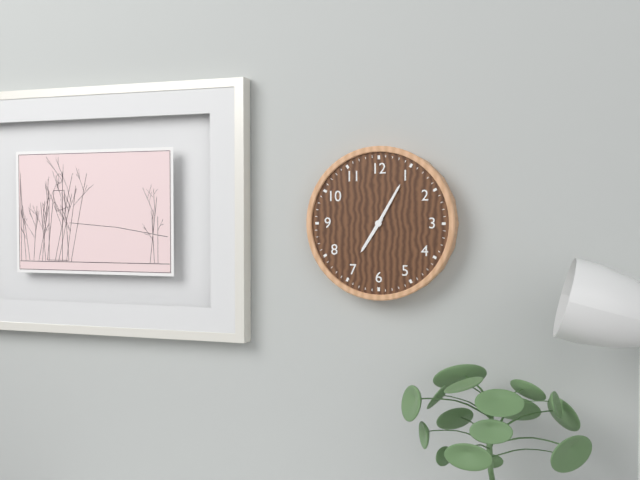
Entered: 7.05
